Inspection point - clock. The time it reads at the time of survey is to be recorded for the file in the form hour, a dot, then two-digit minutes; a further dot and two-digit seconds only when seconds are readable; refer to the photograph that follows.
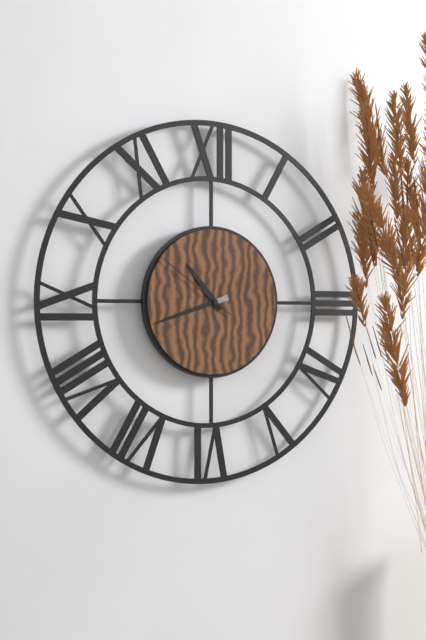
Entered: 10.42.51
